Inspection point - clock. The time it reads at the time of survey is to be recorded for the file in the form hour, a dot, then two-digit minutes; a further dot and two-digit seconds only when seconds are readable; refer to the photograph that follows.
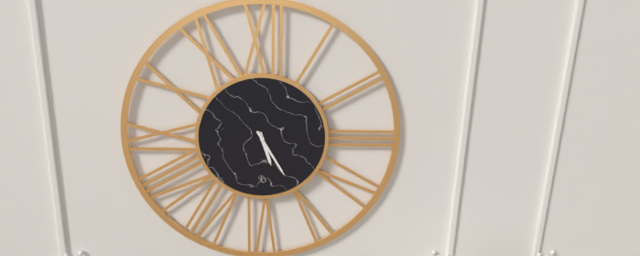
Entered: 5.25
